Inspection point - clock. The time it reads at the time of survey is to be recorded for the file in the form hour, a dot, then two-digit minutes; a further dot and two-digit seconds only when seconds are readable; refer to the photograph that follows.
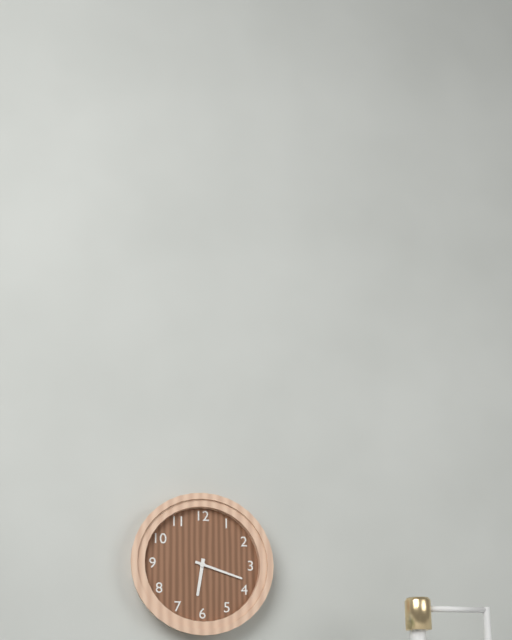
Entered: 6.18
